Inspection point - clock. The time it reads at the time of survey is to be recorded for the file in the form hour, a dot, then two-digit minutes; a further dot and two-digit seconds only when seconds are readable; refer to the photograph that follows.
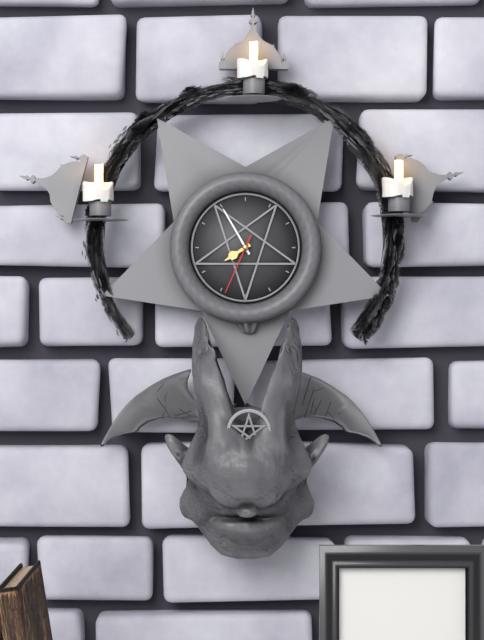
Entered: 7.55.34
